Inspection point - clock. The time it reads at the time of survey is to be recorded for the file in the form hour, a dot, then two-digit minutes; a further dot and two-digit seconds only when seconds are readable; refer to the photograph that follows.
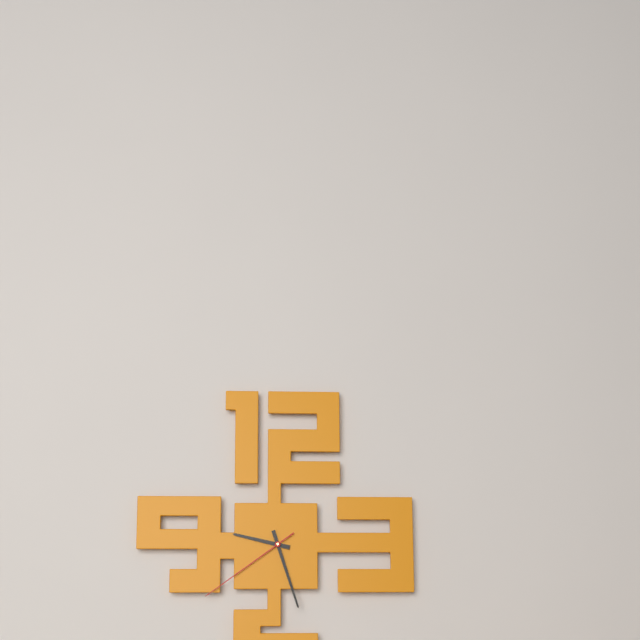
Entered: 9.27.39
